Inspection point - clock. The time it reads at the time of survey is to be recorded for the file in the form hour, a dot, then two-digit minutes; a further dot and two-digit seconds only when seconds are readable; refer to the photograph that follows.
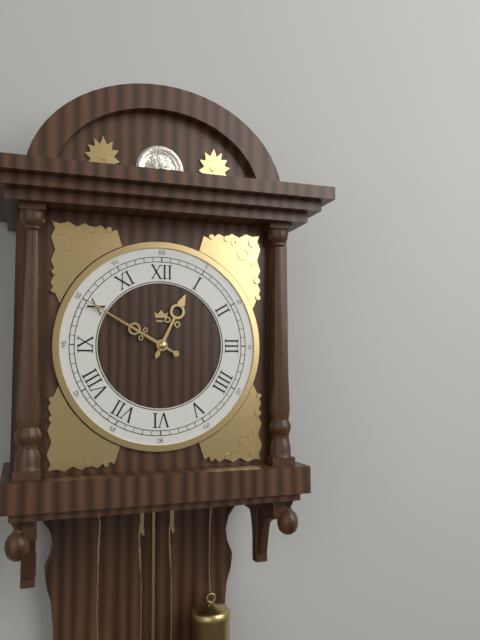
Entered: 12.50
